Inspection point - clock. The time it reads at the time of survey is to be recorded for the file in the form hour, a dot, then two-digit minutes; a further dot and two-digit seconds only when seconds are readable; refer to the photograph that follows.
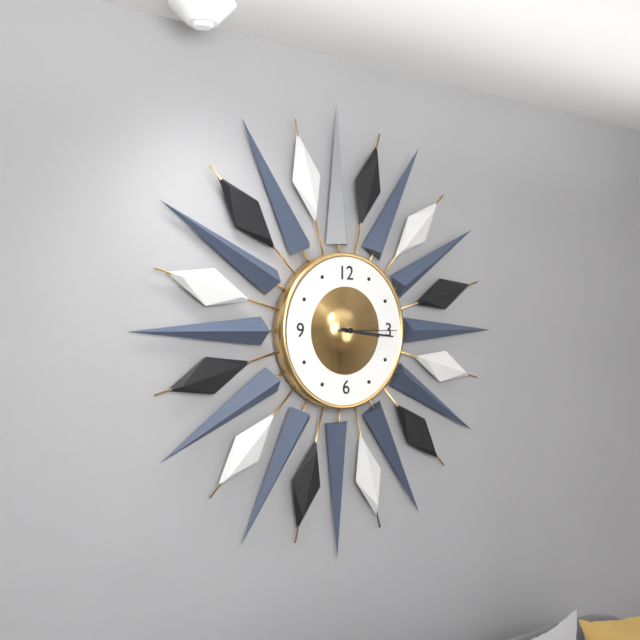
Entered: 3.16.15
